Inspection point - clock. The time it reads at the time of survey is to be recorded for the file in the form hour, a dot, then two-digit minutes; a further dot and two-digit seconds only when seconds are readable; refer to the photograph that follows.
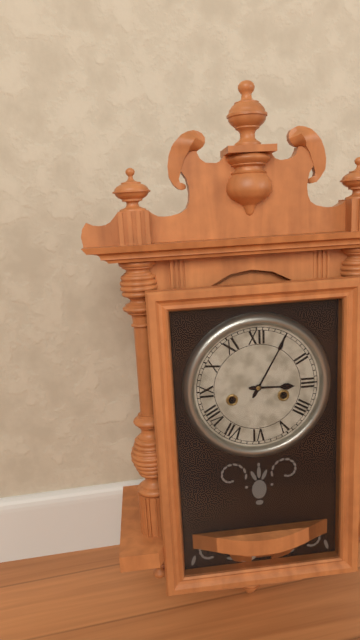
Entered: 3.05
